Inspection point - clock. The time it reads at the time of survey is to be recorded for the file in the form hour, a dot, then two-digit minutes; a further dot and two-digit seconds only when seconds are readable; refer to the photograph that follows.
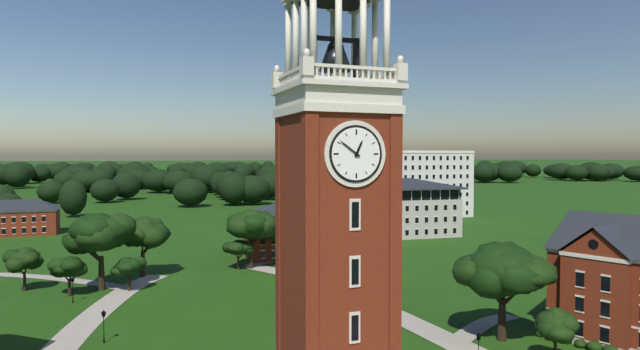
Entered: 12.51
